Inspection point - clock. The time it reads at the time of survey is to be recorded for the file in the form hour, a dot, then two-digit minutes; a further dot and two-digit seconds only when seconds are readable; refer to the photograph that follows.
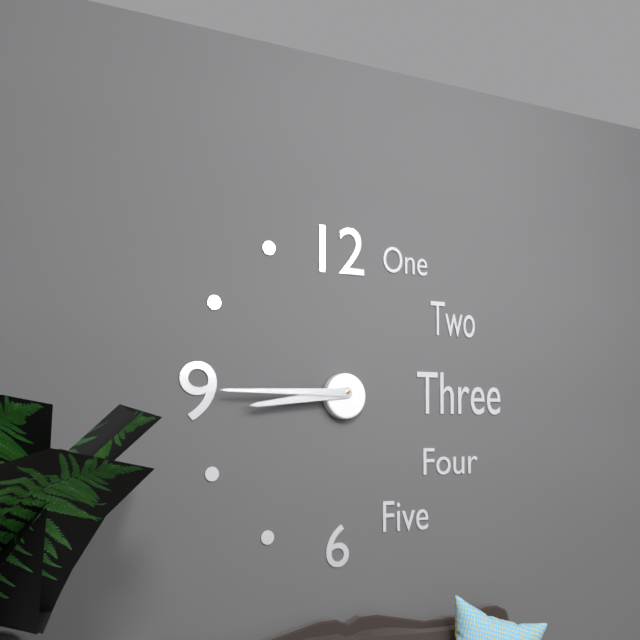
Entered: 8.45
